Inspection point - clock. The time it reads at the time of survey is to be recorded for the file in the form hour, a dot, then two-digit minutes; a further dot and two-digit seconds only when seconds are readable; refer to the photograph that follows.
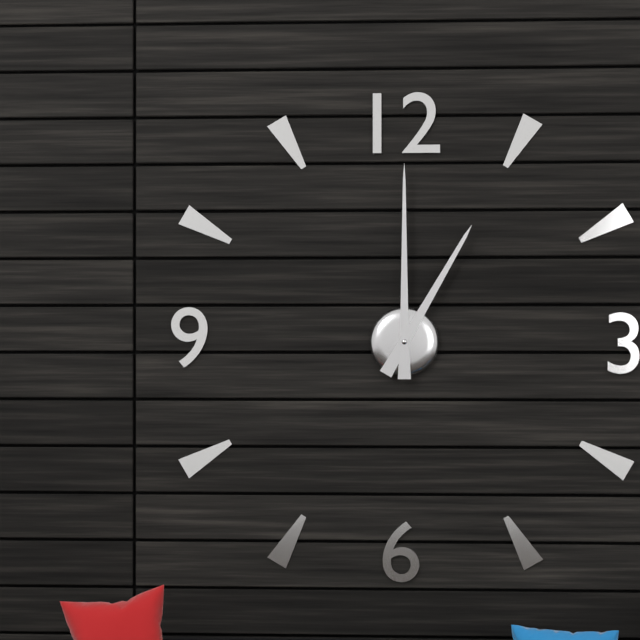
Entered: 1.00
